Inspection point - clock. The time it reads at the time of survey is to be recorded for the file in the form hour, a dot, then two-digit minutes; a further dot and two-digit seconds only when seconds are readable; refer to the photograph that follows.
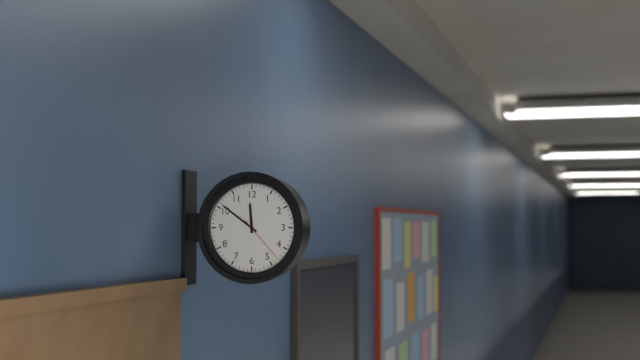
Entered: 11.51.23
